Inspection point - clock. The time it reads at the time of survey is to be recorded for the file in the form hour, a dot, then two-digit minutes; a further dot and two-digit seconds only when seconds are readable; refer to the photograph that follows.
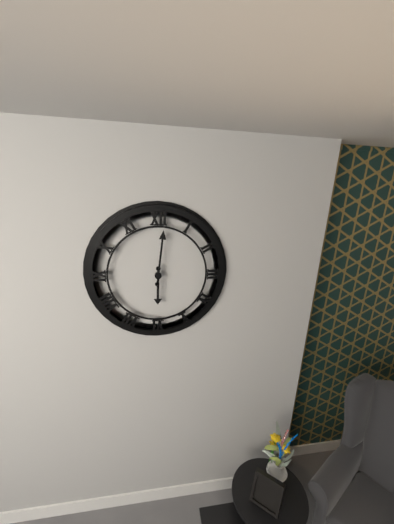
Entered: 6.01
